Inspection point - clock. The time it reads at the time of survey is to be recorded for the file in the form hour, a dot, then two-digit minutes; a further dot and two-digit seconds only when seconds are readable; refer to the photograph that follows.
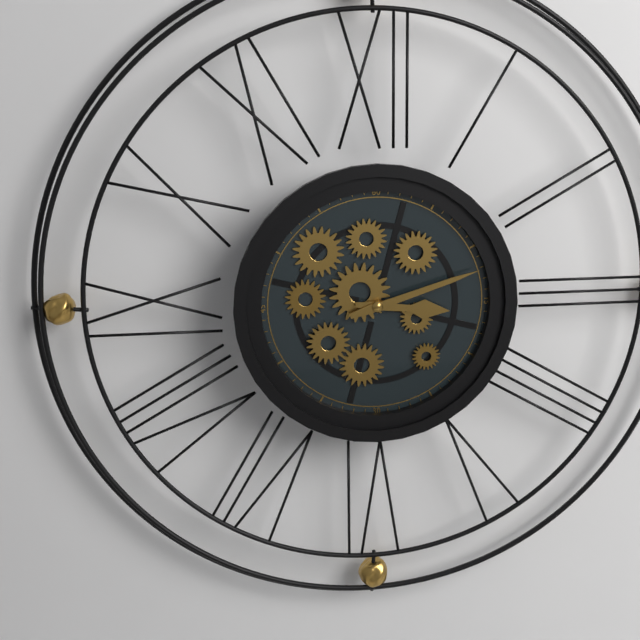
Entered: 3.12
